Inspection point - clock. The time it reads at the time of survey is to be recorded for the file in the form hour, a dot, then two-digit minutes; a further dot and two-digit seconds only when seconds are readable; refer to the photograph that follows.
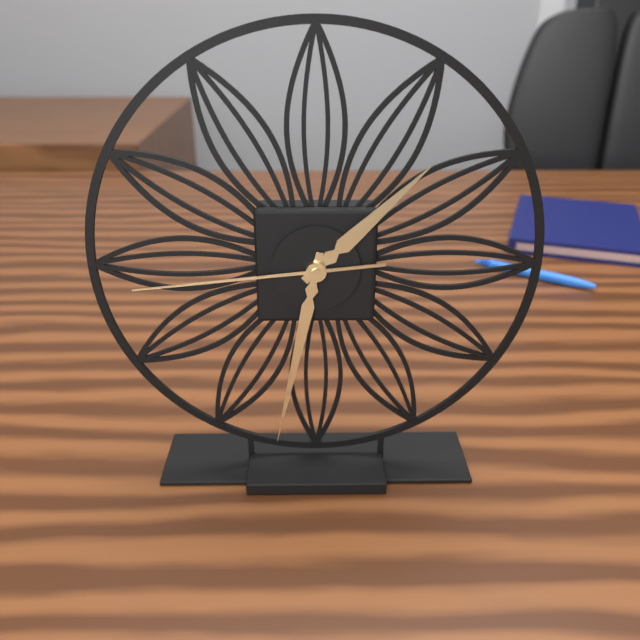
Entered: 1.32.44
